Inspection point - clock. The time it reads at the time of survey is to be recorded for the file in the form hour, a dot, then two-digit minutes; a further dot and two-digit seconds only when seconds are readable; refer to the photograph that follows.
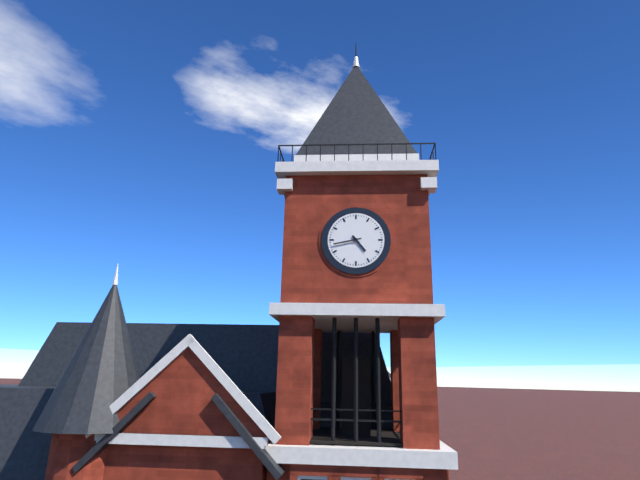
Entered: 4.43
